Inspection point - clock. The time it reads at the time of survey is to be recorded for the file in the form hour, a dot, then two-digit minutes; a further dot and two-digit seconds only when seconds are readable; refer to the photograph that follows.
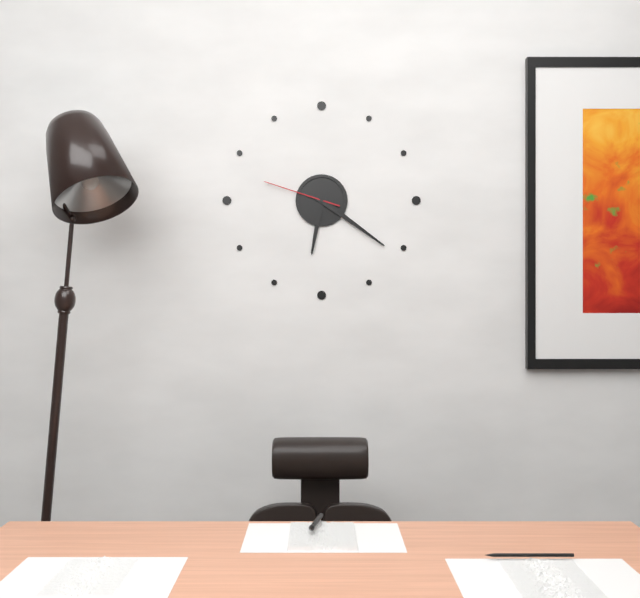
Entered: 6.21.48
